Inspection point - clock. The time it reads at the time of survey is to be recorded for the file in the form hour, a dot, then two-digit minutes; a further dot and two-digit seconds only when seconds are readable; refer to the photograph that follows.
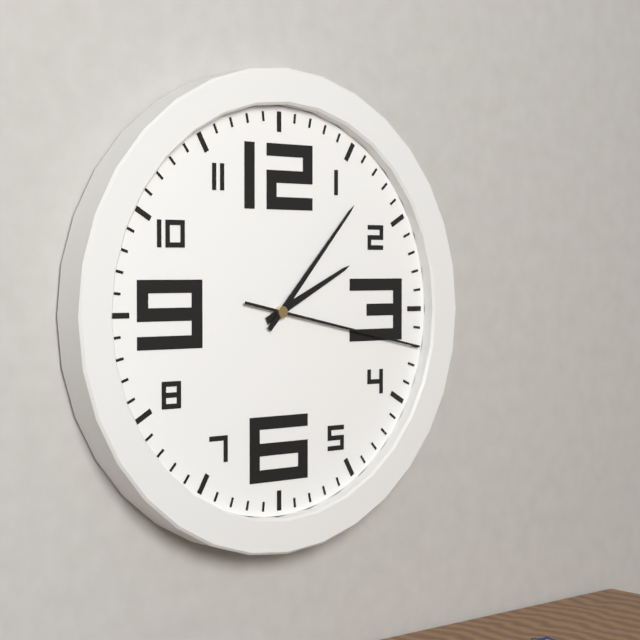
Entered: 2.07.17
